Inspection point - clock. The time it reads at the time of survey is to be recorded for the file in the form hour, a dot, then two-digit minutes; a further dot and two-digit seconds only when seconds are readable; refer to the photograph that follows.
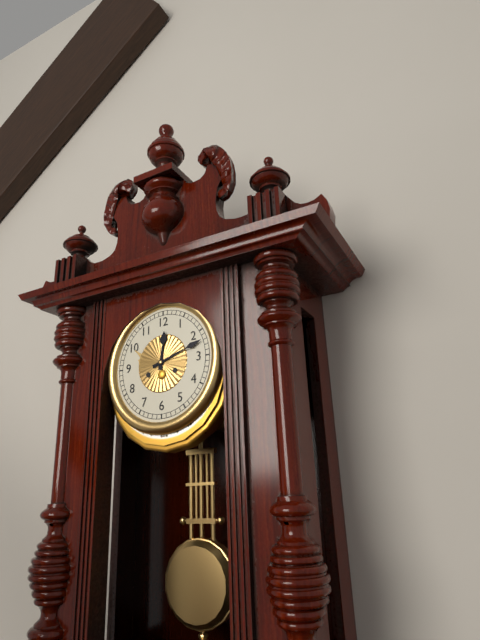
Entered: 12.12
